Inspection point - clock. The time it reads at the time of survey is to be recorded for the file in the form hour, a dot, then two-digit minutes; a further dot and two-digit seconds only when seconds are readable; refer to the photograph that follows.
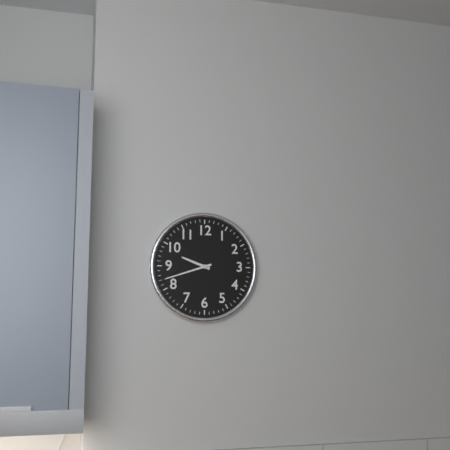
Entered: 9.42
